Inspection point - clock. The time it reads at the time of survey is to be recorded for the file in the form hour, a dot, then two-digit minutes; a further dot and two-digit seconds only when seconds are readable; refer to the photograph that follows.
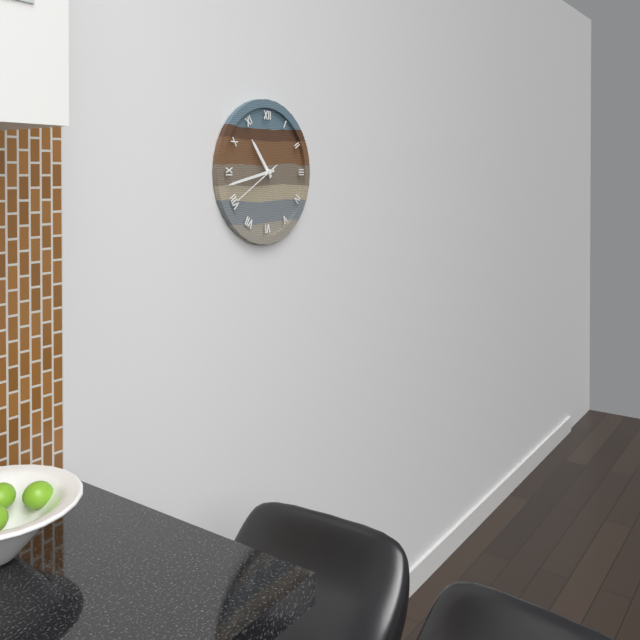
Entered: 10.43.40
